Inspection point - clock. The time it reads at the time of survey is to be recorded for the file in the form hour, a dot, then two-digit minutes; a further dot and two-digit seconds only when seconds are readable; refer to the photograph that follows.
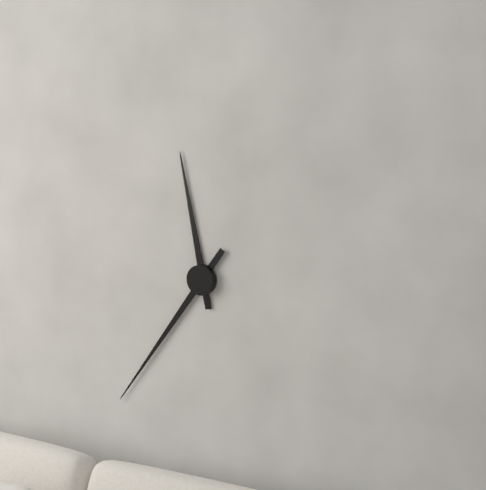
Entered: 11.36
